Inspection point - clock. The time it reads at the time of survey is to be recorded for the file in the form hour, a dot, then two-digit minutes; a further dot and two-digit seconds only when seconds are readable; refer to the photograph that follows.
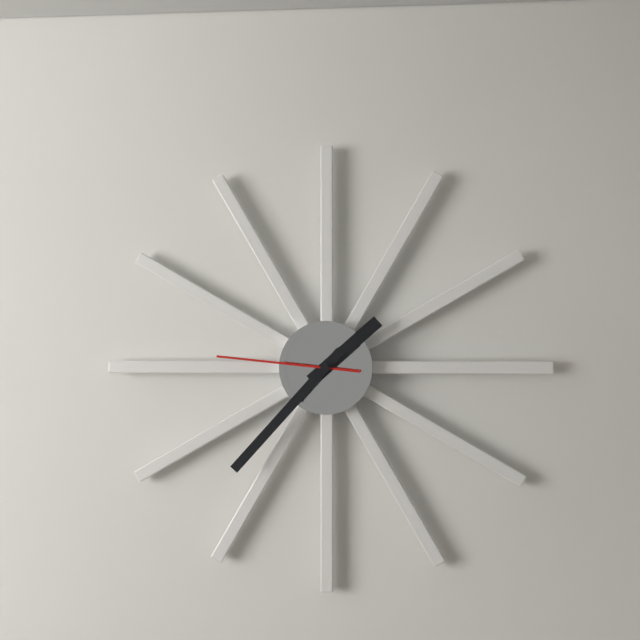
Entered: 1.37.46
